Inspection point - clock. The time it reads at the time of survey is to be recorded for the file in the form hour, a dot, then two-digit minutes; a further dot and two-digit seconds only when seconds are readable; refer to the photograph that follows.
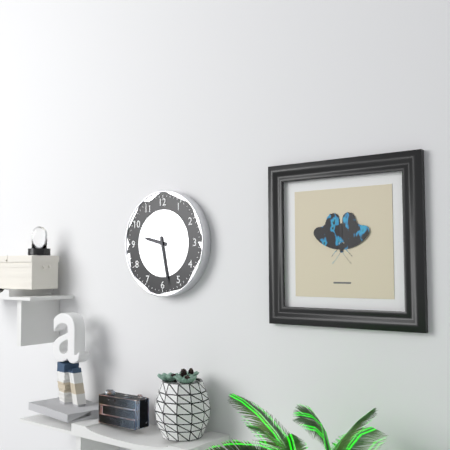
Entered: 9.28
